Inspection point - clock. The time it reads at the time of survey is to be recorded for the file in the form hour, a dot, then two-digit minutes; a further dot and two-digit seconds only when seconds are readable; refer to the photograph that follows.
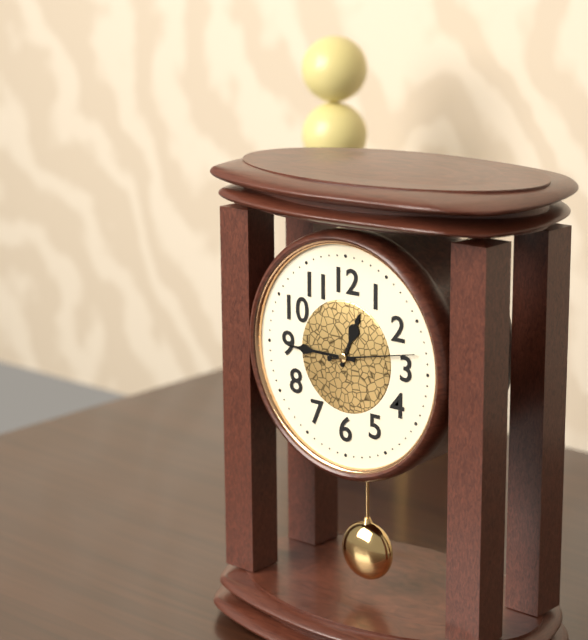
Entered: 12.45.13
